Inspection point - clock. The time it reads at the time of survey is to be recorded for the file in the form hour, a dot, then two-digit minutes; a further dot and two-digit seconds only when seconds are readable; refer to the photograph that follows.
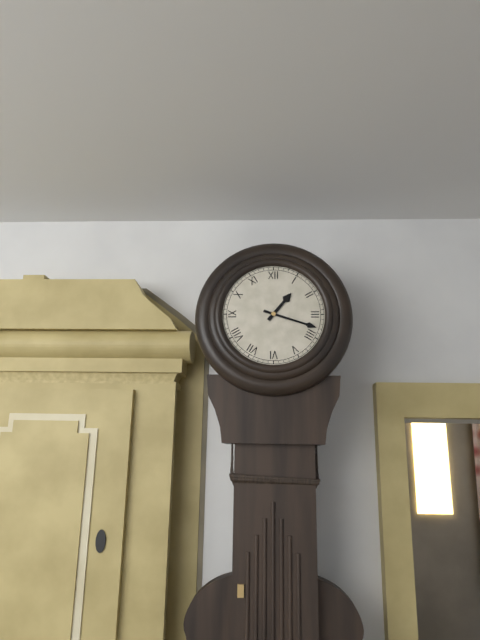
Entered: 1.18
